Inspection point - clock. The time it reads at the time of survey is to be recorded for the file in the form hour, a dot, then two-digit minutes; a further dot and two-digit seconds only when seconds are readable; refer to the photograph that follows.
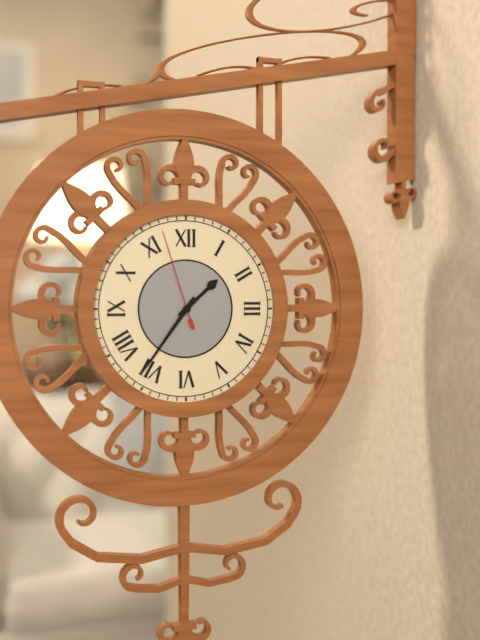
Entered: 1.36.57
